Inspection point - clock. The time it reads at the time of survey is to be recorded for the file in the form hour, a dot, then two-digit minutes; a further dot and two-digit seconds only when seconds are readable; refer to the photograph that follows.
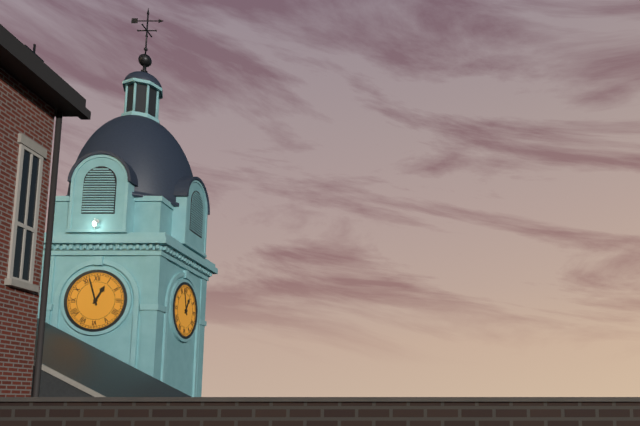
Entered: 12.57
